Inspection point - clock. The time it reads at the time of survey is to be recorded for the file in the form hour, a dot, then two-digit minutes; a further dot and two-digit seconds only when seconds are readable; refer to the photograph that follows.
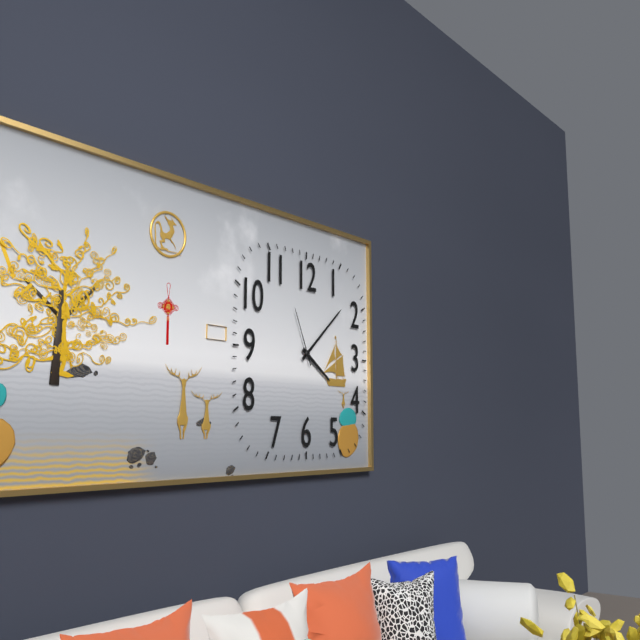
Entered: 4.08.56
